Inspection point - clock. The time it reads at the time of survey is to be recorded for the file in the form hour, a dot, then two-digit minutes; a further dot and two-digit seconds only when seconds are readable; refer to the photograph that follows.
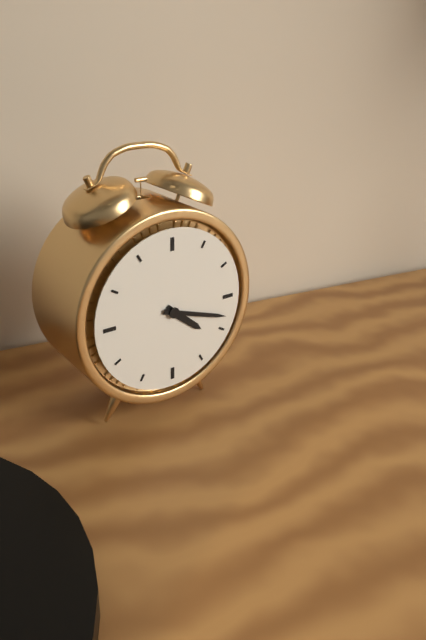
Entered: 4.18
